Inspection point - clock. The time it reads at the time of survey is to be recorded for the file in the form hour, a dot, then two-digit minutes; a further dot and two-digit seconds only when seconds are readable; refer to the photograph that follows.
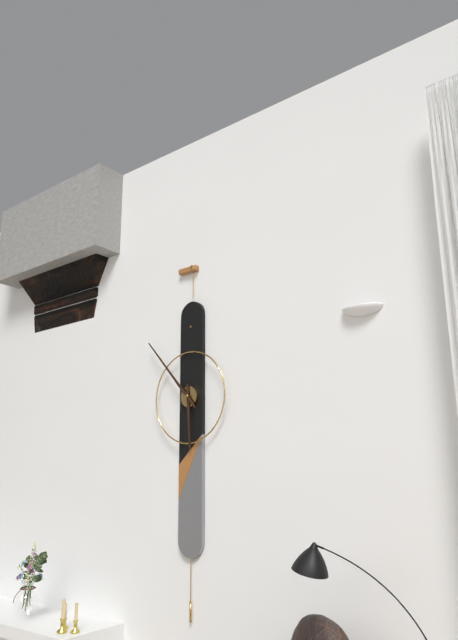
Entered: 5.53
